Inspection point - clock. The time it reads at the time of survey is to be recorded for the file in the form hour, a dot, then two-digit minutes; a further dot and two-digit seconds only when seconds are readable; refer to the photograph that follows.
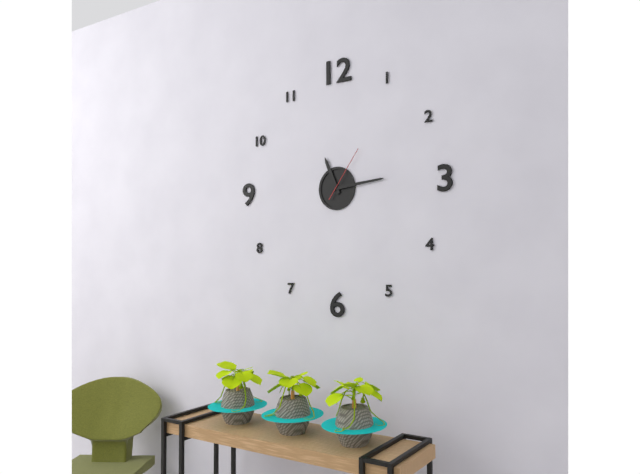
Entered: 11.14.06
